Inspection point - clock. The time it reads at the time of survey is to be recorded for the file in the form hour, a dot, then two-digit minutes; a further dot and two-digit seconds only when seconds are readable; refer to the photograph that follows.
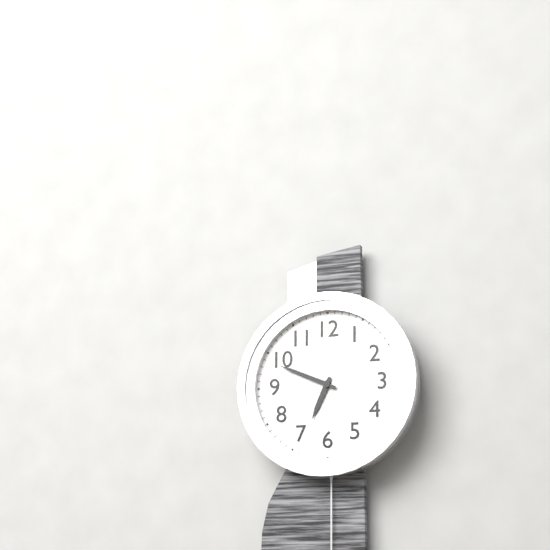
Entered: 6.49
